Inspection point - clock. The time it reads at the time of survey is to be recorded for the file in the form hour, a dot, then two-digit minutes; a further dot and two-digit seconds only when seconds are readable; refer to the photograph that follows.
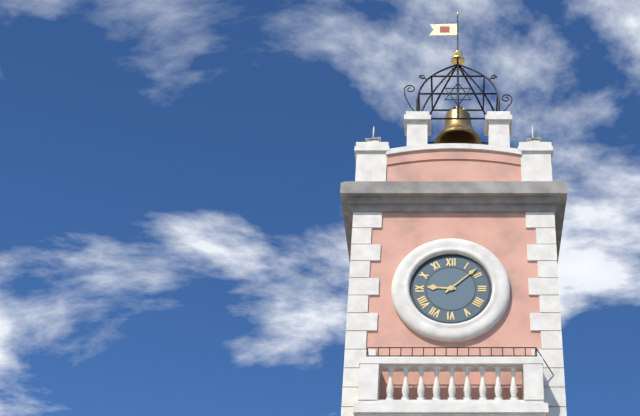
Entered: 9.08
